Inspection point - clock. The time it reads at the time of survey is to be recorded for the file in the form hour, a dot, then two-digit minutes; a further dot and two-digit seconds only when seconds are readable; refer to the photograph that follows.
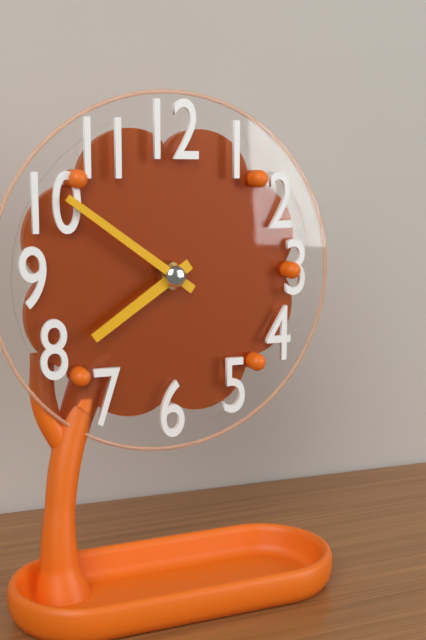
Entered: 7.51
